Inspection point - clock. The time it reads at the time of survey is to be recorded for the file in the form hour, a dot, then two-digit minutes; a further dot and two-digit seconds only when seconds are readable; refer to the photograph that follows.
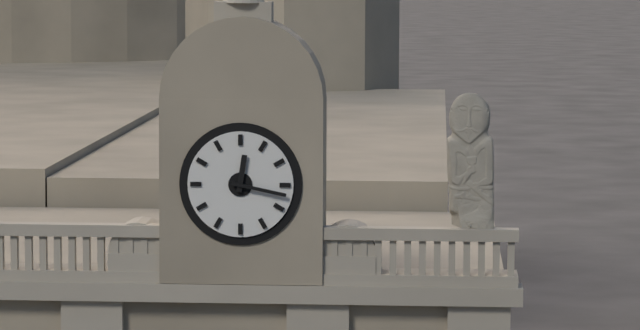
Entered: 12.17
